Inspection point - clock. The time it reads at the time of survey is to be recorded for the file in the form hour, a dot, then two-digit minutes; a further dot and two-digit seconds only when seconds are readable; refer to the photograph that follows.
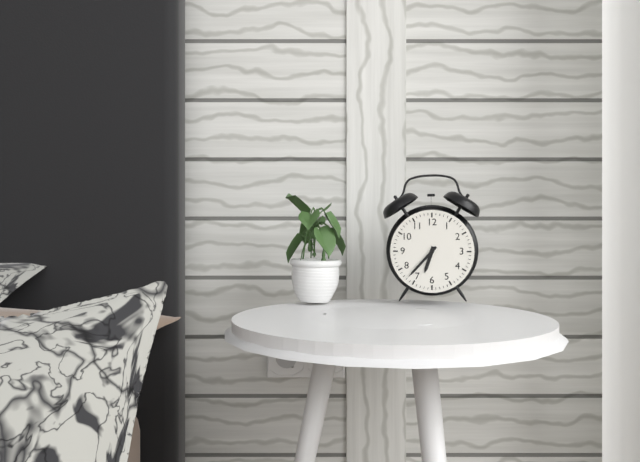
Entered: 6.37
